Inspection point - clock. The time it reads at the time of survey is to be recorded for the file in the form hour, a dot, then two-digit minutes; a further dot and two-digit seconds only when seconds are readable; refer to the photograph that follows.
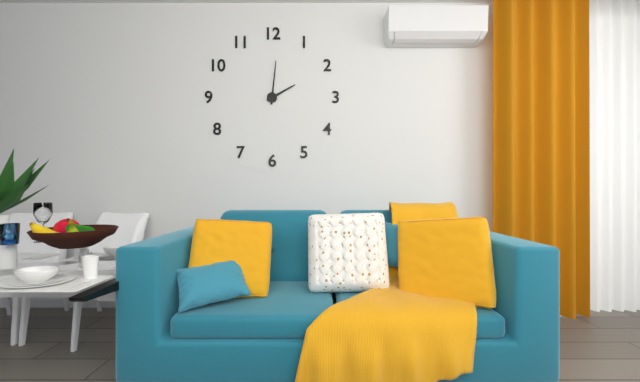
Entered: 2.01
